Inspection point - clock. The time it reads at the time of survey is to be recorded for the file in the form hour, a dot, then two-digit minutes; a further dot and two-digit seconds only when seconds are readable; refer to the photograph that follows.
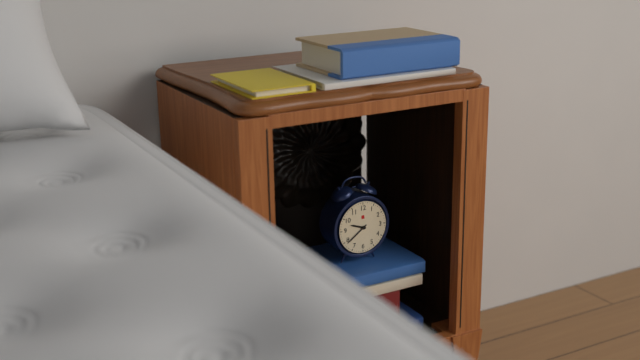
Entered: 9.39
